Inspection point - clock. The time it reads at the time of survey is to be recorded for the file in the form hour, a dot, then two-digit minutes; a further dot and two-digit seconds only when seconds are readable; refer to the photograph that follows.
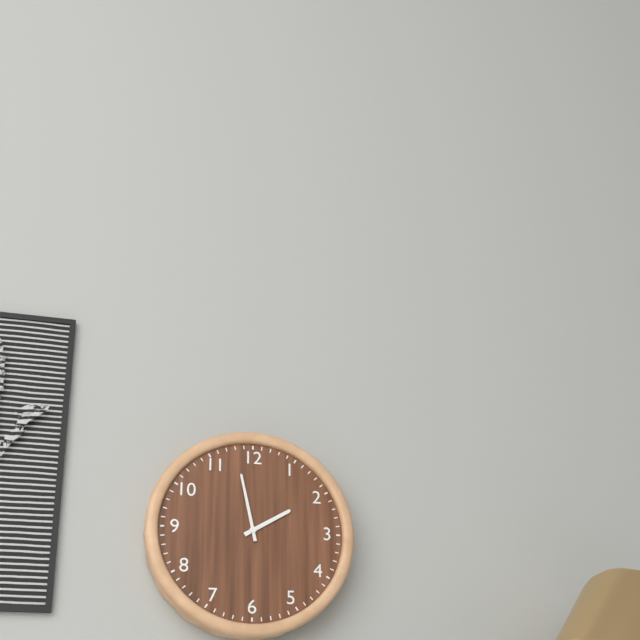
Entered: 1.58
